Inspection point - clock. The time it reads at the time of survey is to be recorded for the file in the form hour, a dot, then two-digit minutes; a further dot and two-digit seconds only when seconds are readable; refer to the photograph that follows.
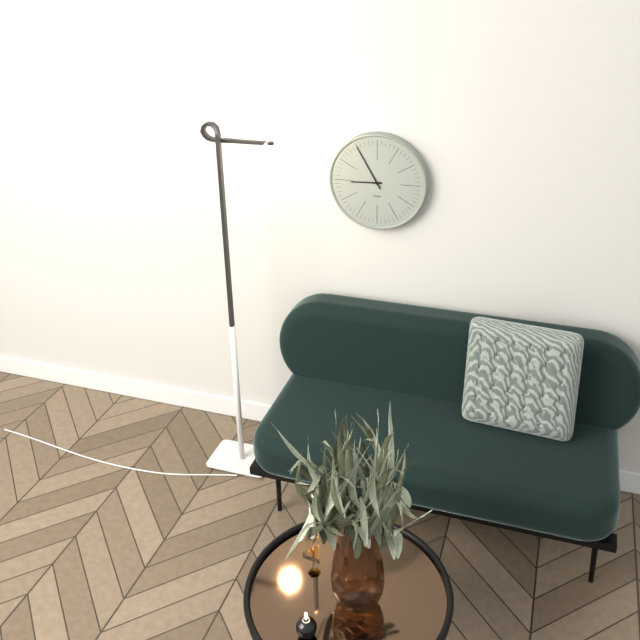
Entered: 8.55
